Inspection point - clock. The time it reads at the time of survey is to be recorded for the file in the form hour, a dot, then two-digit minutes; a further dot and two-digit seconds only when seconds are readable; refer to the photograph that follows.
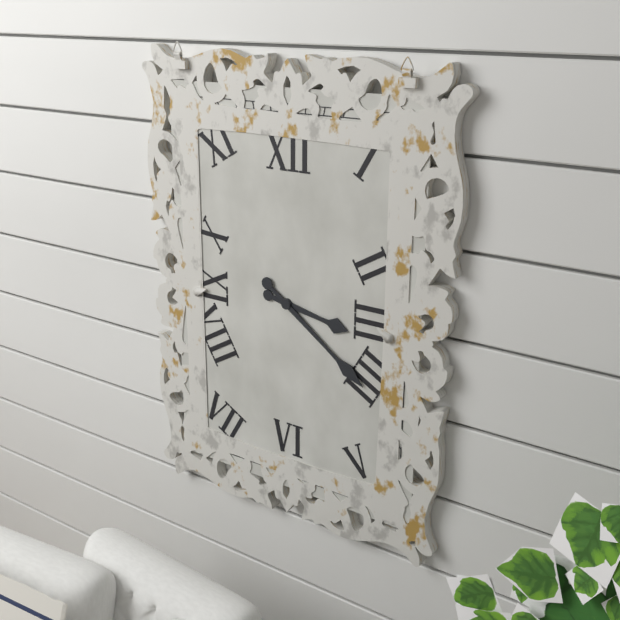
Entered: 3.21
